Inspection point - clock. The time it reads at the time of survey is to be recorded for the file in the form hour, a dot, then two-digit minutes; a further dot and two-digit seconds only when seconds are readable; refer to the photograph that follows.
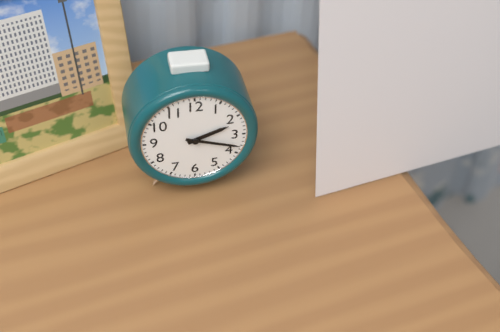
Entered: 2.18
